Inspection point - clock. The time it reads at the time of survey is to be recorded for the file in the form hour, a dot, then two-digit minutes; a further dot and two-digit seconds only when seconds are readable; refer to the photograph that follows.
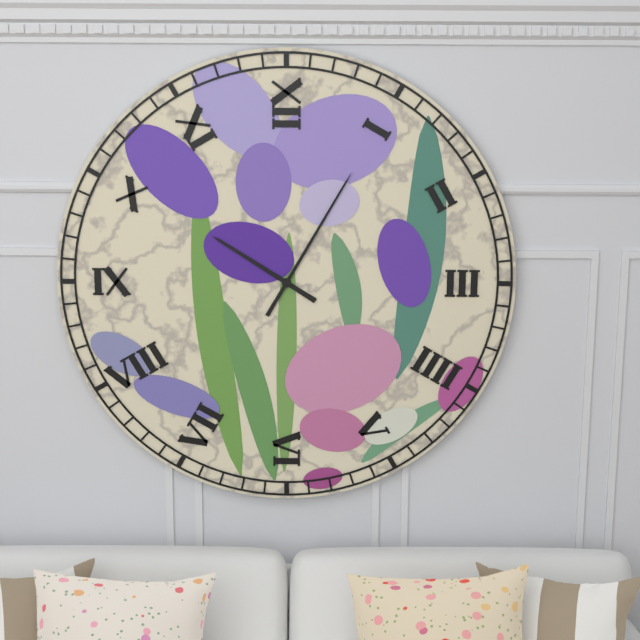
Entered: 10.05
